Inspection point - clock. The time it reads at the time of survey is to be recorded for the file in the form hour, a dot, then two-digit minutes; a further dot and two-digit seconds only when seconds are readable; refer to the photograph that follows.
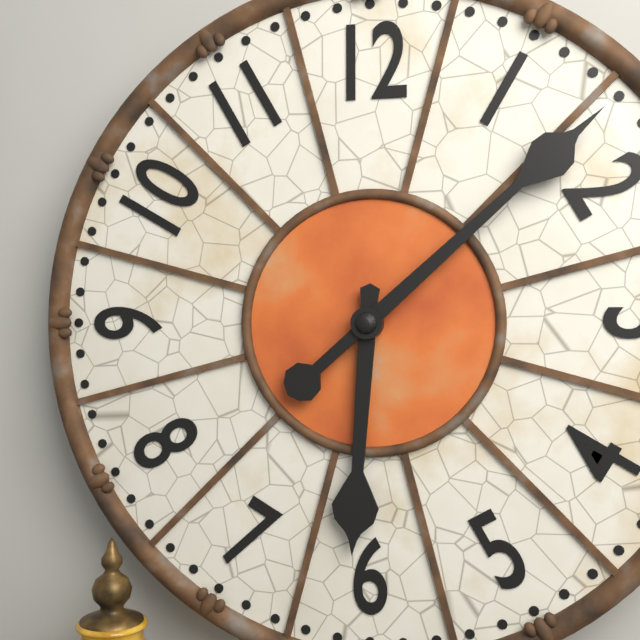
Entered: 6.08
